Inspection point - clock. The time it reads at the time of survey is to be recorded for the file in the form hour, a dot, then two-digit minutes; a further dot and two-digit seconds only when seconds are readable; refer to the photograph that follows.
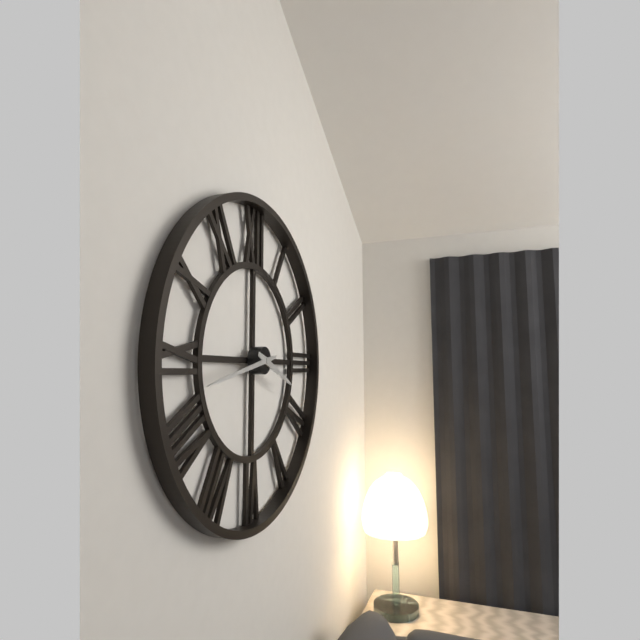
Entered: 3.43
